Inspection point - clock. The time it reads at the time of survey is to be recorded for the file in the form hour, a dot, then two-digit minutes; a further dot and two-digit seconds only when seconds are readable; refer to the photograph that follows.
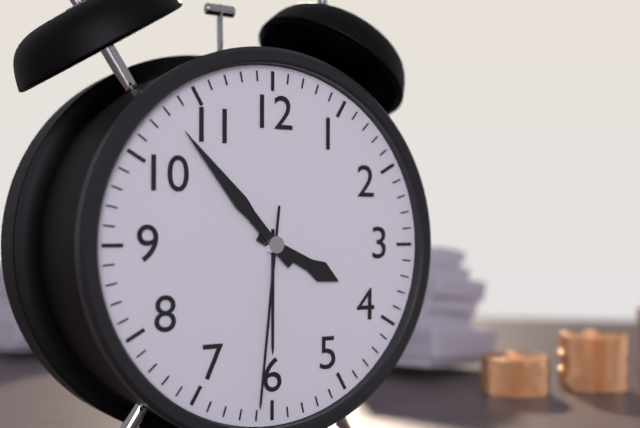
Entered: 3.53.31
